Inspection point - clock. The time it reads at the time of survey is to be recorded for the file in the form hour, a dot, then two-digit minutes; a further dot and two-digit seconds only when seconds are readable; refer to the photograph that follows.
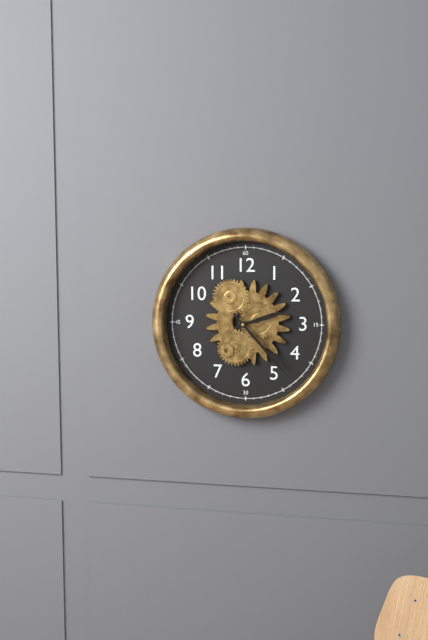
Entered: 2.23
